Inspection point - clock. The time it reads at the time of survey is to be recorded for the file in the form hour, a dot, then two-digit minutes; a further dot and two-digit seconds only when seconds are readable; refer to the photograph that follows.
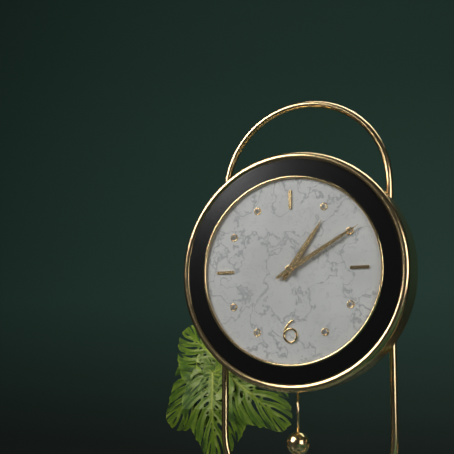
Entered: 1.10
